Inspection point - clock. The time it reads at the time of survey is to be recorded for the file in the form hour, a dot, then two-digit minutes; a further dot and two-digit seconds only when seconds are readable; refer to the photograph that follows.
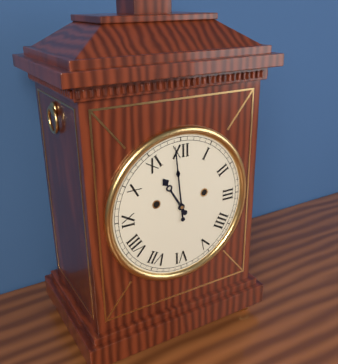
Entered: 10.59
